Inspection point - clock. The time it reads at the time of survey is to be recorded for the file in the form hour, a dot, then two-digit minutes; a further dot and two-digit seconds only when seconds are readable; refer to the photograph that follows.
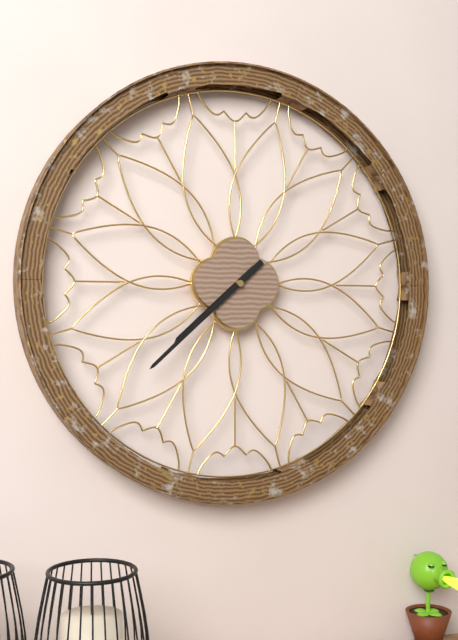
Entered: 7.38
